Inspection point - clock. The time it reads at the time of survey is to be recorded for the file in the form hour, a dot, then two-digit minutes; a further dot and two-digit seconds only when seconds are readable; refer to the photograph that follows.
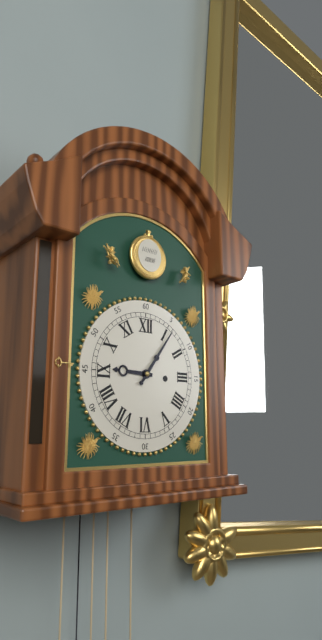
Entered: 9.06
